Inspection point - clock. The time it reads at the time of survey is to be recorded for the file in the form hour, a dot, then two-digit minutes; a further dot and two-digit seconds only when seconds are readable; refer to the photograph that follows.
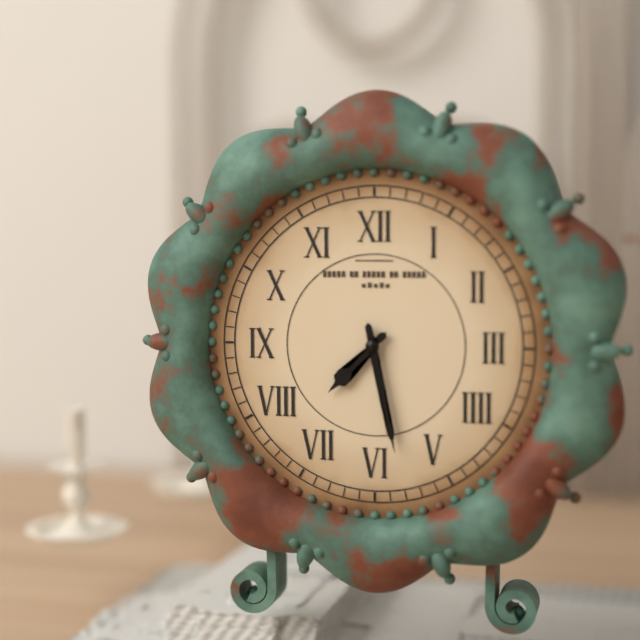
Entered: 7.28
